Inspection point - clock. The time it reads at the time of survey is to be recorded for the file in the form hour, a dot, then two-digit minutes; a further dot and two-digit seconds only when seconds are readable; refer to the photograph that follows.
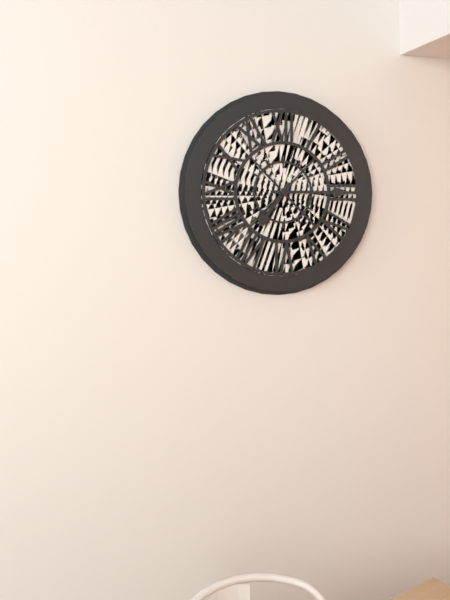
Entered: 7.15
